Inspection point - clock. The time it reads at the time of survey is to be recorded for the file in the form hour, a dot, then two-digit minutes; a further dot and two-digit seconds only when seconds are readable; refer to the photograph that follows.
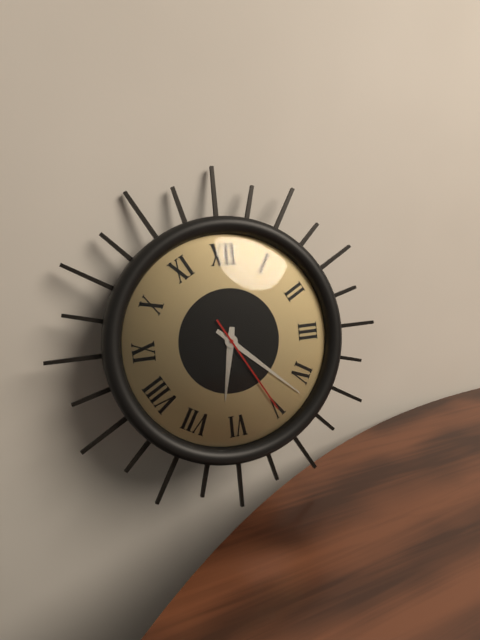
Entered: 6.22.25
